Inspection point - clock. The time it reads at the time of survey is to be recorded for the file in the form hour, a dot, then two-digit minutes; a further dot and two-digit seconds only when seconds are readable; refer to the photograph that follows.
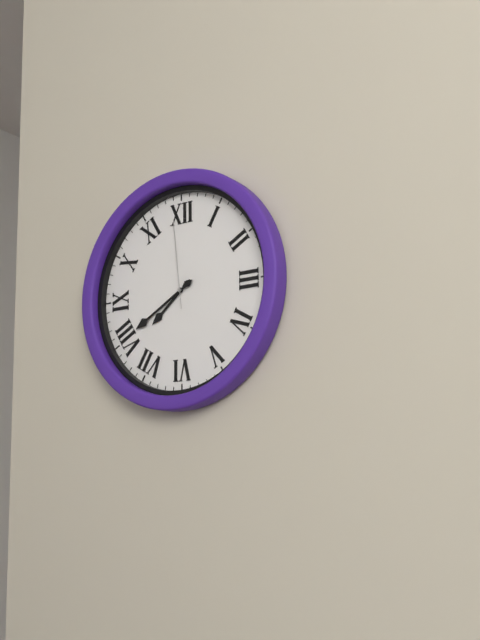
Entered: 7.40.59
